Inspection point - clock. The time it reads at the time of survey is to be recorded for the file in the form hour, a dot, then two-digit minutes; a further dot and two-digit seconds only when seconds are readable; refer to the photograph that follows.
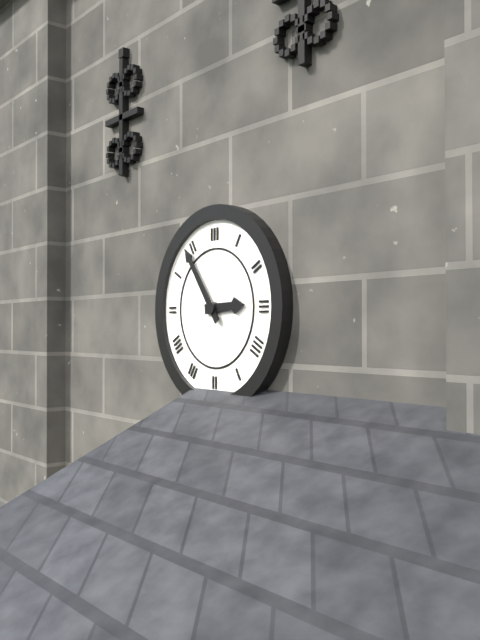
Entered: 2.54
